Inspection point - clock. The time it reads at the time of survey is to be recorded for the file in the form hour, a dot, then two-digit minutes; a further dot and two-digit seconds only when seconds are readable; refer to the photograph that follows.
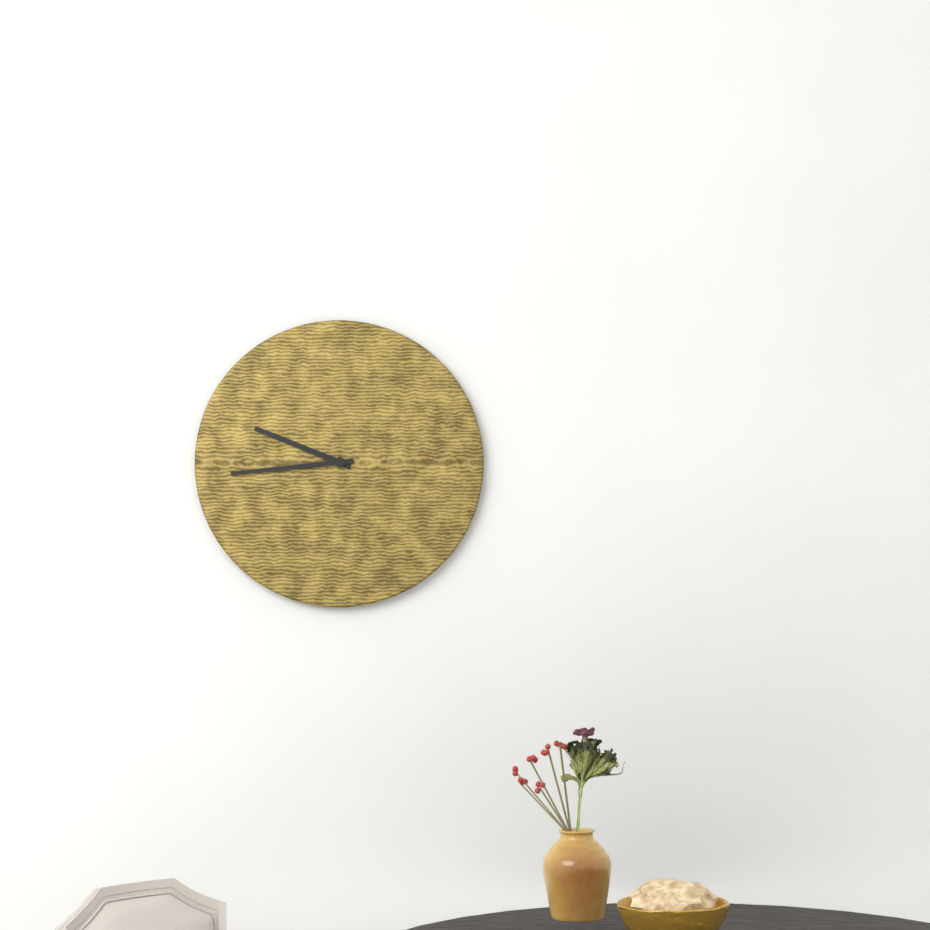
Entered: 9.44
